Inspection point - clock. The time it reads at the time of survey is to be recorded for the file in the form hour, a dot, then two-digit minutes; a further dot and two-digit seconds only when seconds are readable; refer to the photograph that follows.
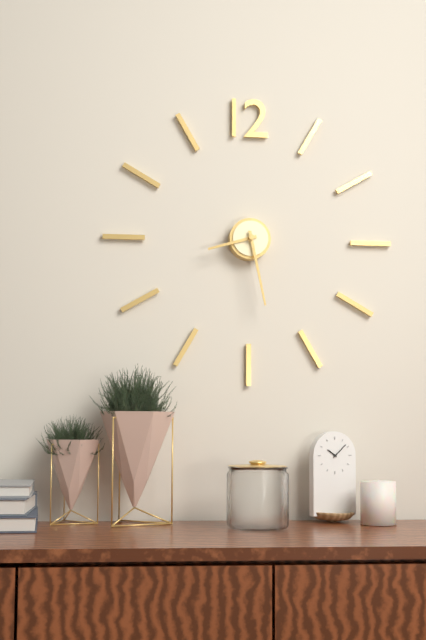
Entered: 8.28
